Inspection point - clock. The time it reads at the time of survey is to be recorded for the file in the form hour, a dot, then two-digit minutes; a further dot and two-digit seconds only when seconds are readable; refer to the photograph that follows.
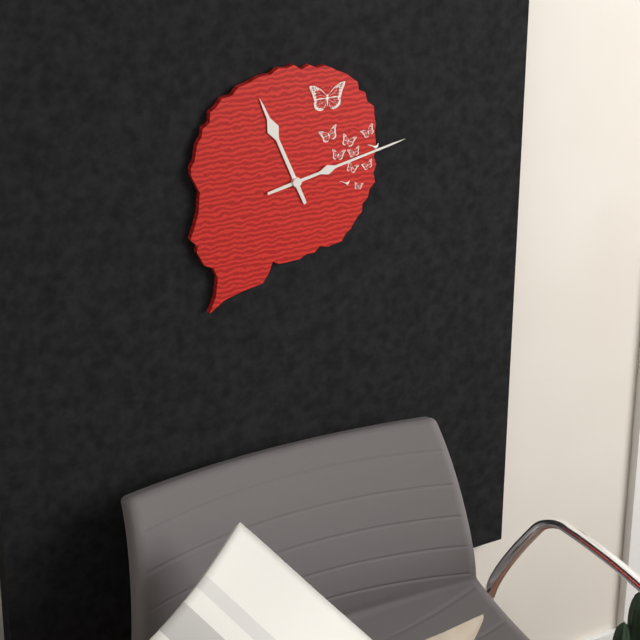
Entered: 11.13
